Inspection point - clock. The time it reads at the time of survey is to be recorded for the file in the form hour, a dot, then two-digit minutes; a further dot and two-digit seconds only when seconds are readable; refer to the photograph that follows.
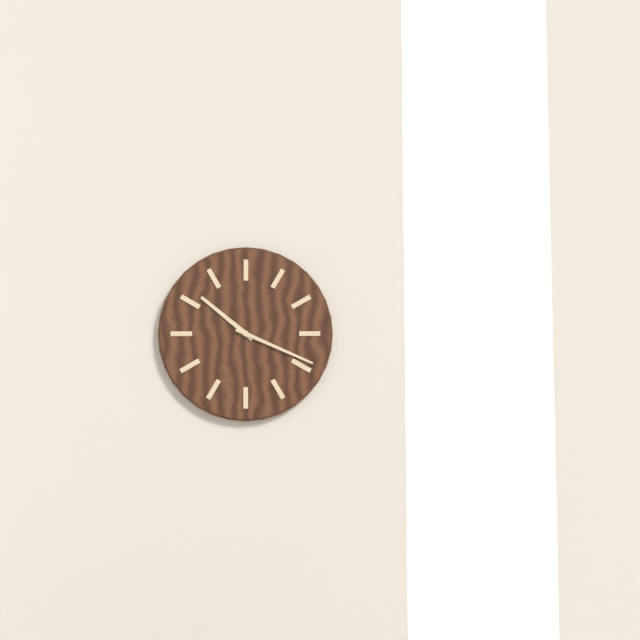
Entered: 10.19
